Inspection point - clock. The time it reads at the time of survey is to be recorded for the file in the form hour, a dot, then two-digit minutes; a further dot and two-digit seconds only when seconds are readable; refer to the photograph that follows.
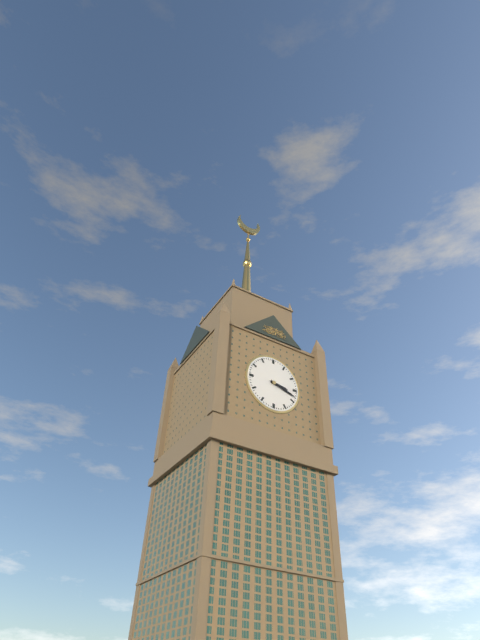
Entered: 3.18
